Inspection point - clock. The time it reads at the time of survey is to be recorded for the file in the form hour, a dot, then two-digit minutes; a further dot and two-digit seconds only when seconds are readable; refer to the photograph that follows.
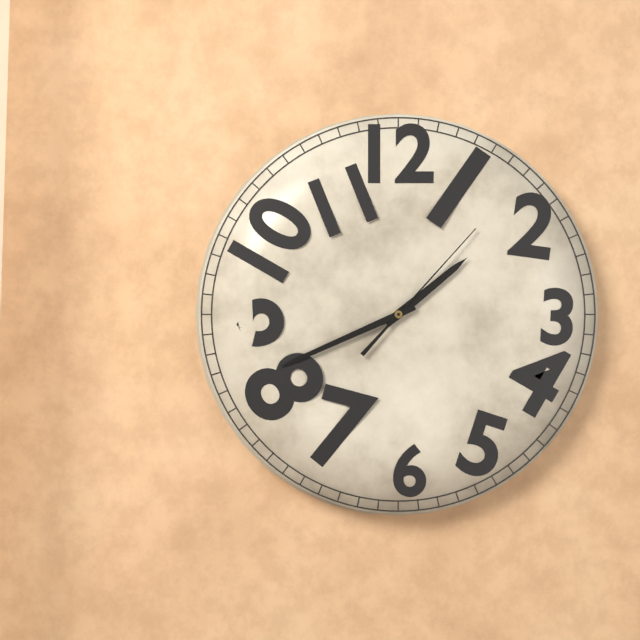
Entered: 1.41.07
